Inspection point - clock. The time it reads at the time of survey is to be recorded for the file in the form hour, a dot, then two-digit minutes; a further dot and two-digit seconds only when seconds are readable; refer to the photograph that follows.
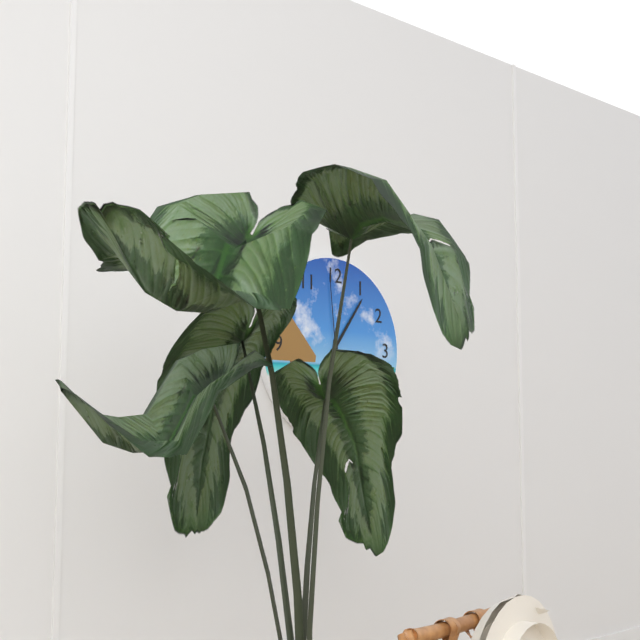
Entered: 6.06.59
